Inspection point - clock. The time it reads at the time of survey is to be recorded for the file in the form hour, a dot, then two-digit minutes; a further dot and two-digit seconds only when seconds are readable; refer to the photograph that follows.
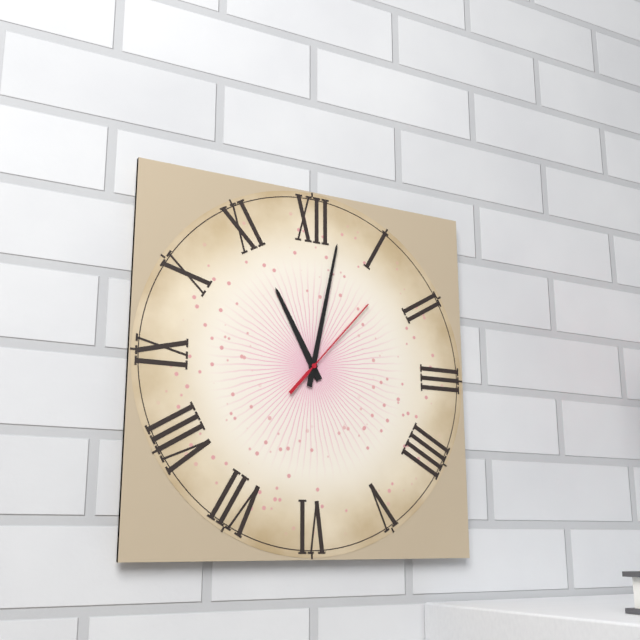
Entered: 11.02.07
